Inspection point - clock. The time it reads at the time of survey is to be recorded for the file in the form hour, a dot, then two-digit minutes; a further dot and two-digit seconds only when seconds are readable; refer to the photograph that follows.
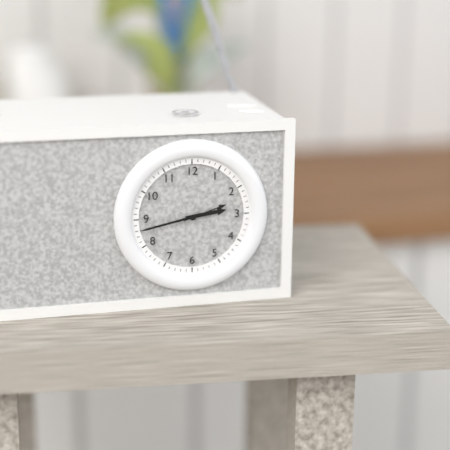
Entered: 2.43
